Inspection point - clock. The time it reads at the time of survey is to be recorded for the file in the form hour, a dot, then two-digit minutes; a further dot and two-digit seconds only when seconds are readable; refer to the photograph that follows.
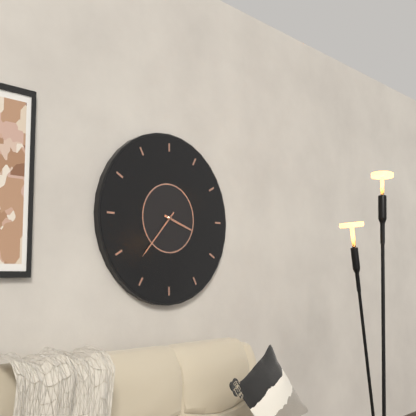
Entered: 3.37
